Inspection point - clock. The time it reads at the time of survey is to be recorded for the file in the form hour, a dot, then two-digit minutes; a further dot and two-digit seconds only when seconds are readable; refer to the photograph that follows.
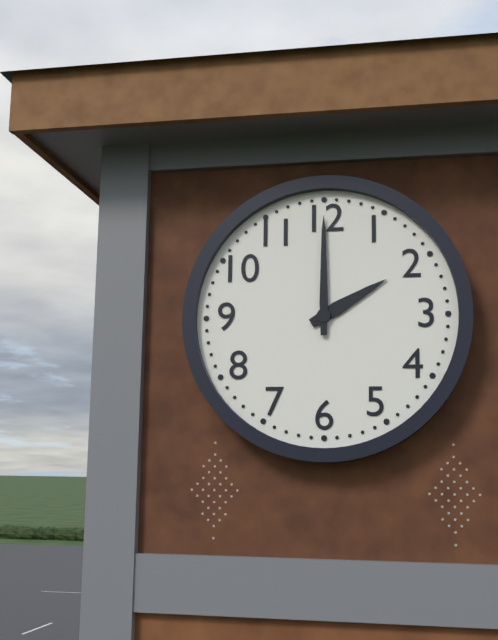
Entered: 2.00
